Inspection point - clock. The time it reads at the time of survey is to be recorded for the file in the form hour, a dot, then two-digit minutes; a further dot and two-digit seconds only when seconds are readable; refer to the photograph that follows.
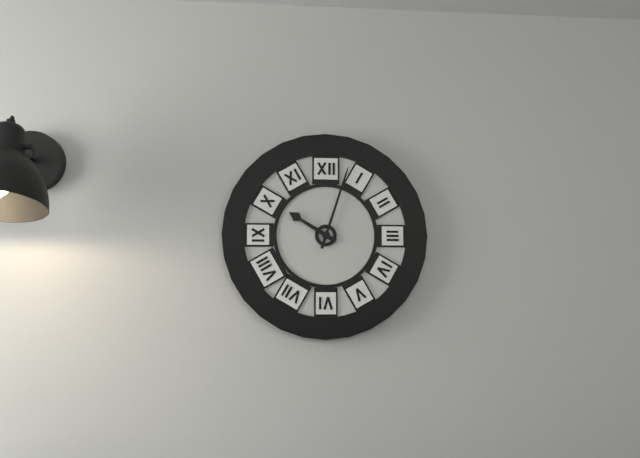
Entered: 10.03
